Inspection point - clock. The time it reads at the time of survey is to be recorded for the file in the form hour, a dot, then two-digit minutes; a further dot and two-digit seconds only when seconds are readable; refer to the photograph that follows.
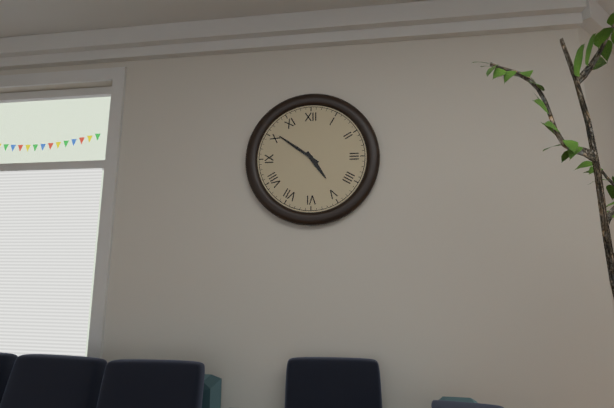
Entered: 4.51
